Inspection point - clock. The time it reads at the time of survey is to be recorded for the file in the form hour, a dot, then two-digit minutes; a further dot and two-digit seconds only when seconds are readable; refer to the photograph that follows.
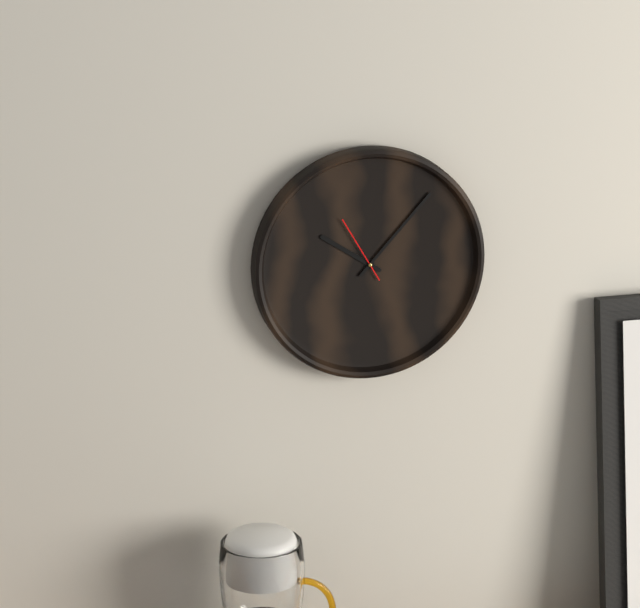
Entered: 10.07.55
